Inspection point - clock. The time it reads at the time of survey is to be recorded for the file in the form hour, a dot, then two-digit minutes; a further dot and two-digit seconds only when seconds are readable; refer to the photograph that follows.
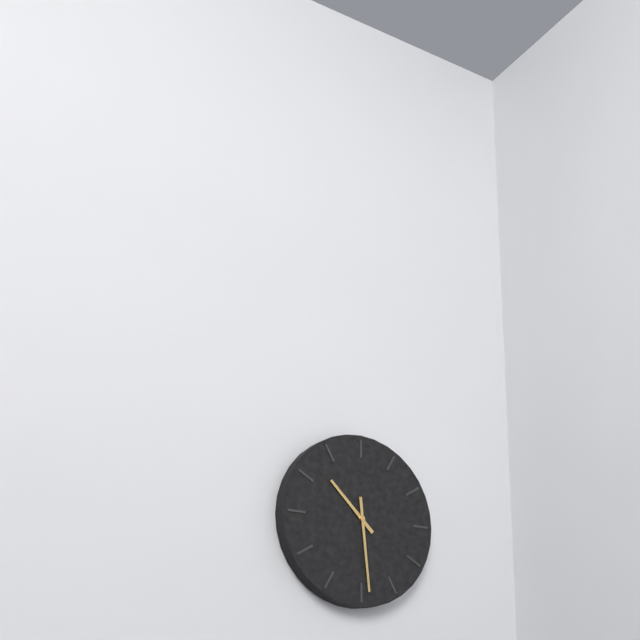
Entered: 10.29
